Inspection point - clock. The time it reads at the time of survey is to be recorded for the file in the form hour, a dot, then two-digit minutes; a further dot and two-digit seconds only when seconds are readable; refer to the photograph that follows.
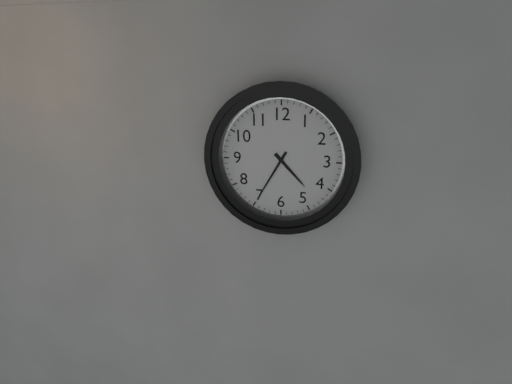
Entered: 4.35
